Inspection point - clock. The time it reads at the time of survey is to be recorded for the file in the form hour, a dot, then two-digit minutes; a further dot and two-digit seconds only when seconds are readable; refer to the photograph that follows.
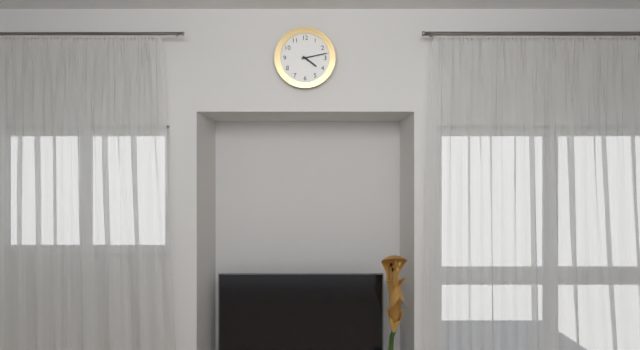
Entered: 4.13
